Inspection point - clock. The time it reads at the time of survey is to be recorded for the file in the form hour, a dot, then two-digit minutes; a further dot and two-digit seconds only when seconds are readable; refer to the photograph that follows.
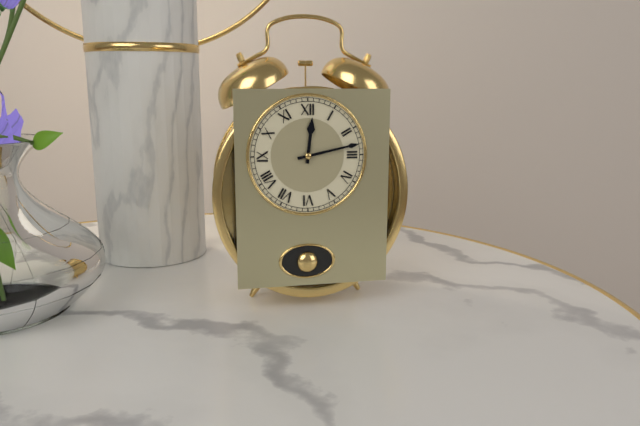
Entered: 12.13
